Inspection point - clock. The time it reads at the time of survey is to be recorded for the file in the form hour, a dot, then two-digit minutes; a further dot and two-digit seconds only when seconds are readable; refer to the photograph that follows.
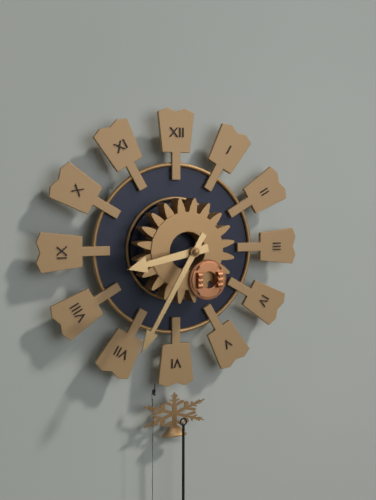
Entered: 8.35
